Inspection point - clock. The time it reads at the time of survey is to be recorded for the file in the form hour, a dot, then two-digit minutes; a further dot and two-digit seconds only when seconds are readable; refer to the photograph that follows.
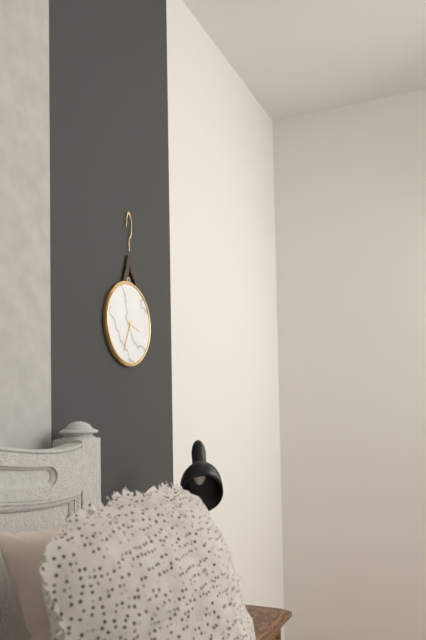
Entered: 3.34
